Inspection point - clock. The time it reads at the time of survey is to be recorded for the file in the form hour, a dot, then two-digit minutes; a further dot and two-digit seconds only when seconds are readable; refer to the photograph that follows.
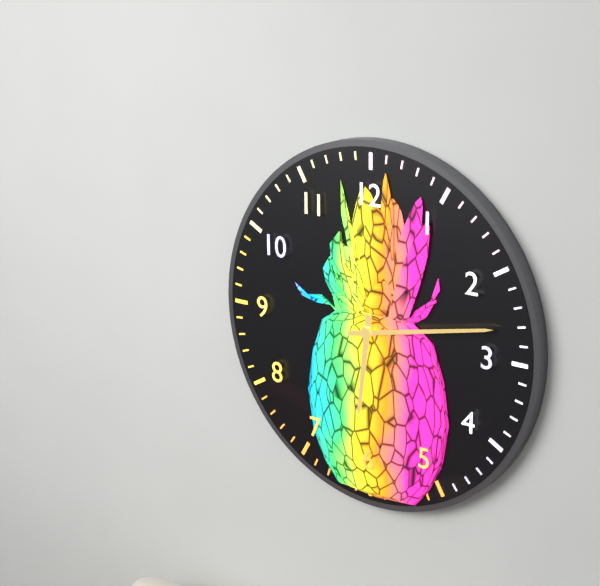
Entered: 6.13
